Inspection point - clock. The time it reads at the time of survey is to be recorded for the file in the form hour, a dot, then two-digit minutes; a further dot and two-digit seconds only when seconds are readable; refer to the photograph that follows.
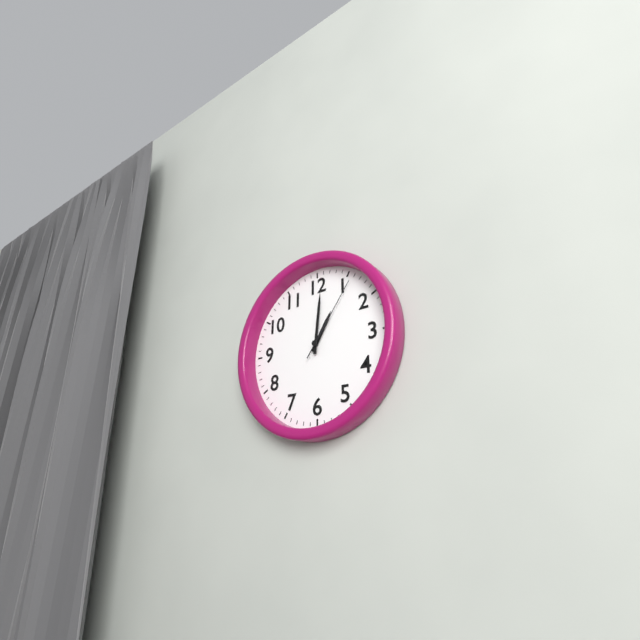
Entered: 1.01.06
